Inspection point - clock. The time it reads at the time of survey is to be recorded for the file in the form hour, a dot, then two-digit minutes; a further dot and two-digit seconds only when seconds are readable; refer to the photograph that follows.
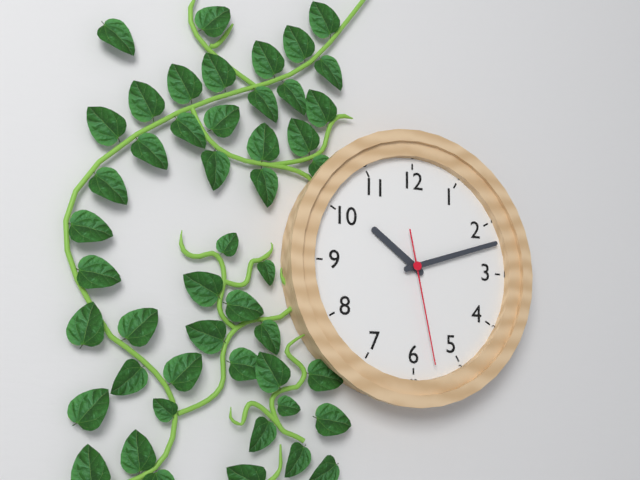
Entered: 10.12.28
